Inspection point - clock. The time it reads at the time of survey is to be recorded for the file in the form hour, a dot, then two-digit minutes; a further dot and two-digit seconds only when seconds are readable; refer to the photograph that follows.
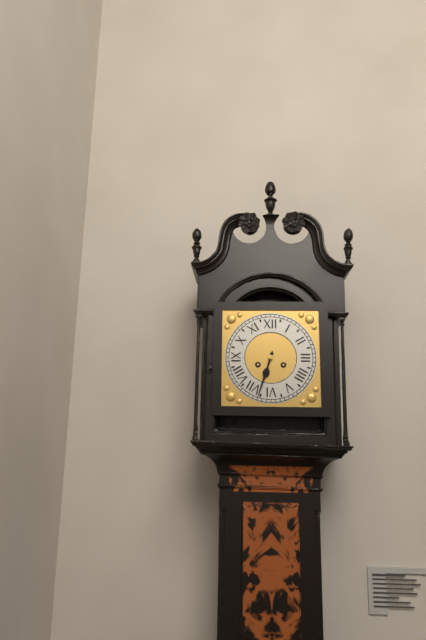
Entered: 6.33
